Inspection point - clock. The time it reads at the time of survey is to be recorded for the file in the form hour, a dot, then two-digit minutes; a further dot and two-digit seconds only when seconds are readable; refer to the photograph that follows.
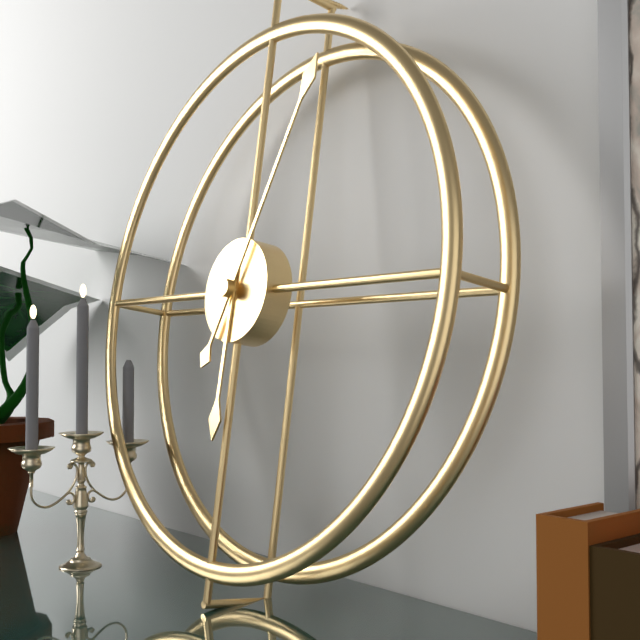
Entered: 6.04
